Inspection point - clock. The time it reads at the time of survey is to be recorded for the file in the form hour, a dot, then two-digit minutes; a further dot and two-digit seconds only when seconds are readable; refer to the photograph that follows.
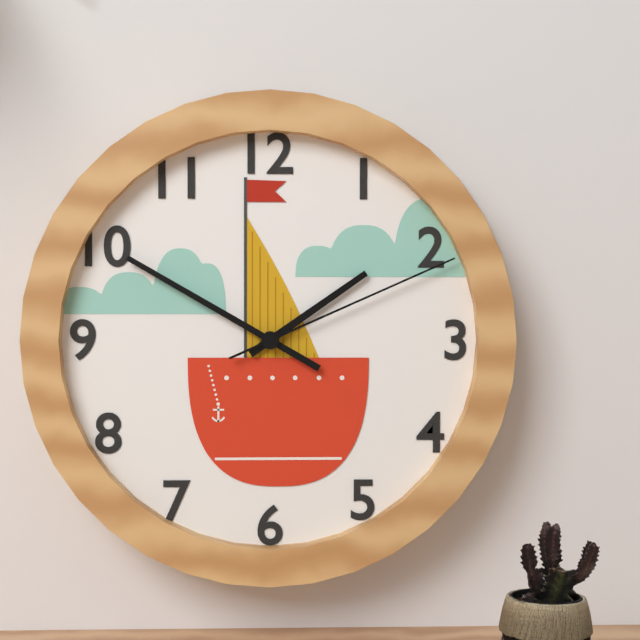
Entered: 1.50.11
